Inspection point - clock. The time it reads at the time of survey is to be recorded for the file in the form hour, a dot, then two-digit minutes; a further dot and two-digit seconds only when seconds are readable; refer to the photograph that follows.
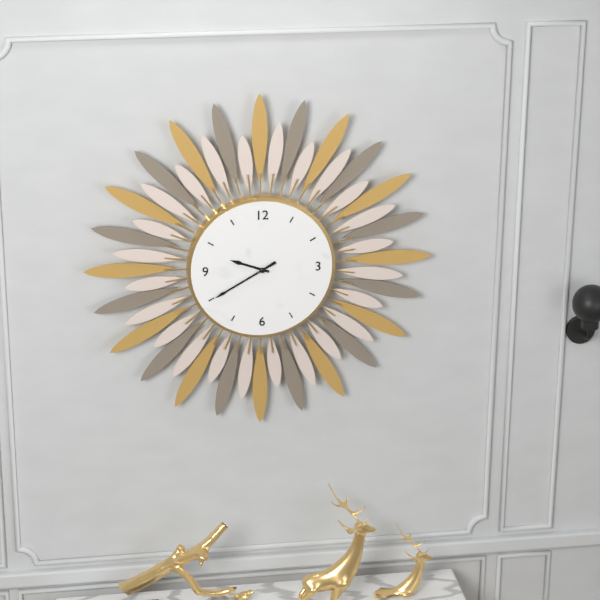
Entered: 9.40
